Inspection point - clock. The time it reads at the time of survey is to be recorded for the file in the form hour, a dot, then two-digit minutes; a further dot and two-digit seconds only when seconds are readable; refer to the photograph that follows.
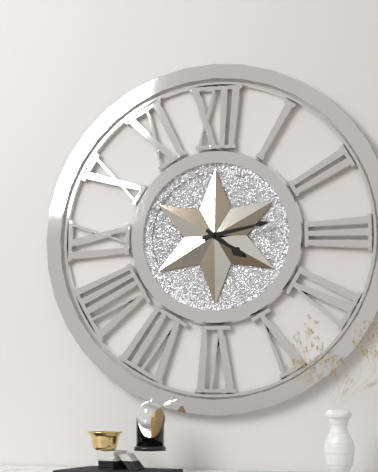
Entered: 4.13
